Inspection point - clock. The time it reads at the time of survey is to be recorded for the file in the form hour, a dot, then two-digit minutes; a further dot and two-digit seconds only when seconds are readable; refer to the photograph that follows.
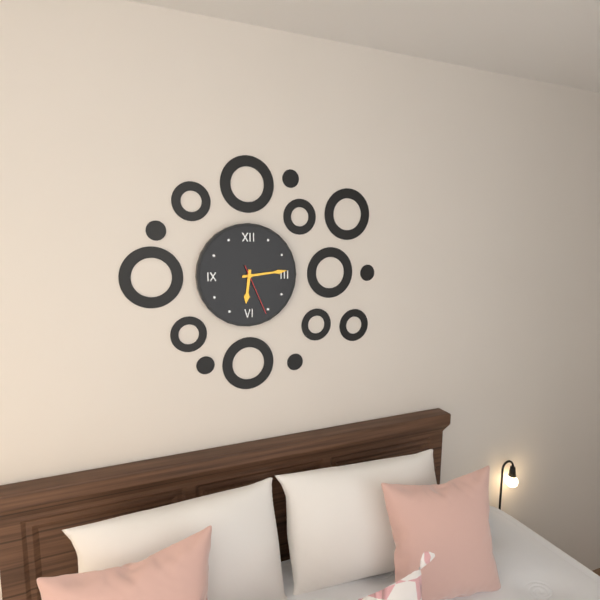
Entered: 6.14.26
